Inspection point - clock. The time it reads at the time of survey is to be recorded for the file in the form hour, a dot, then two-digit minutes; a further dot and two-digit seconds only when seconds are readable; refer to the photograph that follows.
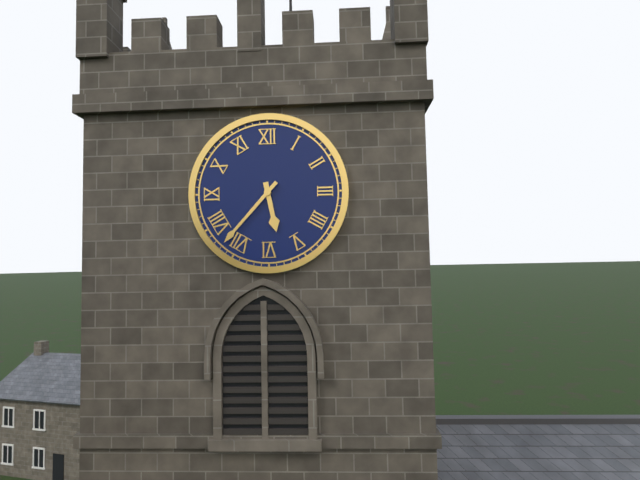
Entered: 5.37
